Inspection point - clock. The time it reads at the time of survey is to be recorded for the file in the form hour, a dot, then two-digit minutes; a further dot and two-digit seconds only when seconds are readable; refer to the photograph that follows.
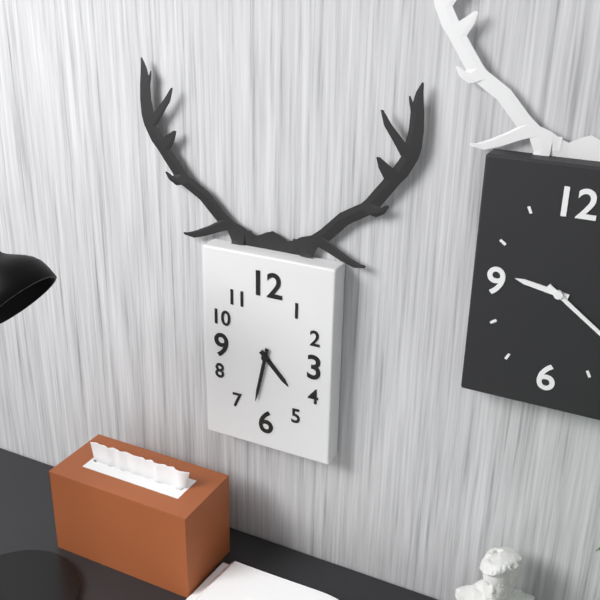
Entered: 4.32
